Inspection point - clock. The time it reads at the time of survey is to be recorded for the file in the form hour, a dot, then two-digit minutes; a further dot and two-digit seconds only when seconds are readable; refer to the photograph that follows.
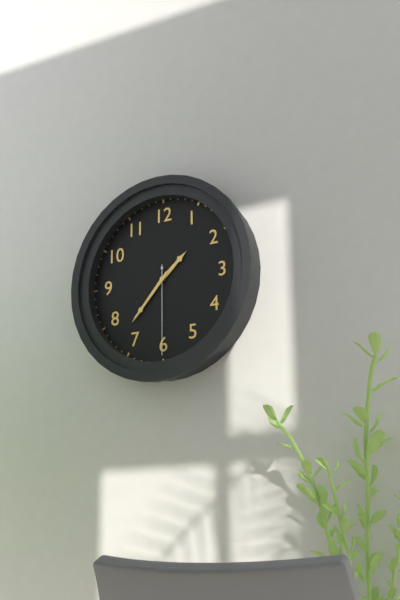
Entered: 1.37.30
